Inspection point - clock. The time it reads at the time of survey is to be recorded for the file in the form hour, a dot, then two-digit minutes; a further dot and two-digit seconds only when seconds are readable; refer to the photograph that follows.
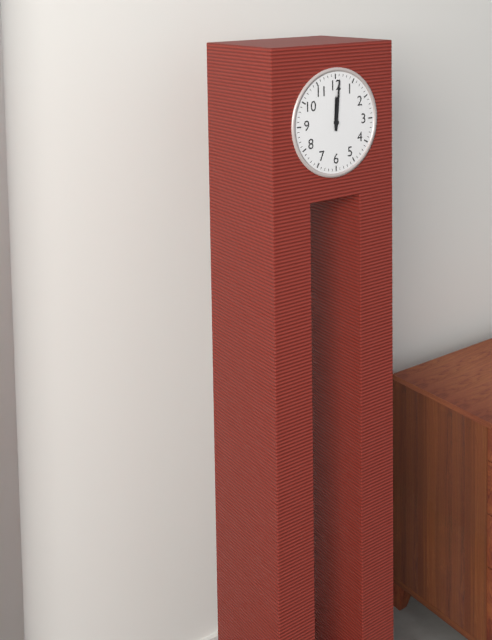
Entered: 12.01
